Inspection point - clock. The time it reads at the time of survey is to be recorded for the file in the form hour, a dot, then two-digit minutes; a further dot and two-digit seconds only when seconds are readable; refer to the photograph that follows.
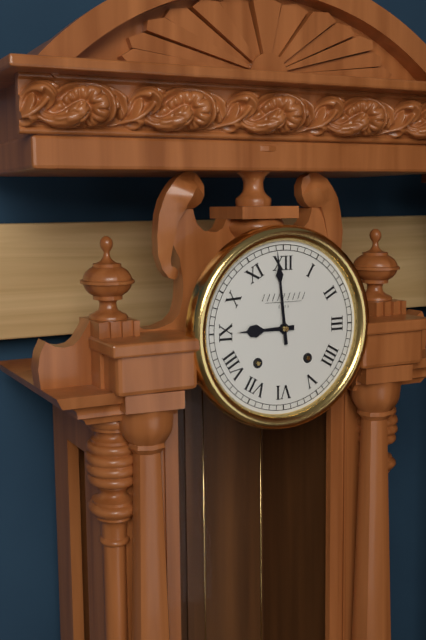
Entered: 8.59
